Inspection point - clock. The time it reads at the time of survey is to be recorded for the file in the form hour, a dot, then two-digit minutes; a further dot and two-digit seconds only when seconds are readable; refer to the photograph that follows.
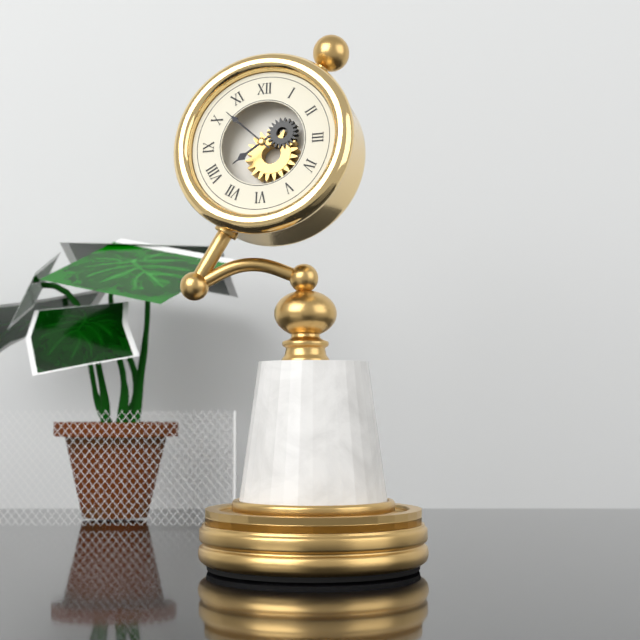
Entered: 7.52
